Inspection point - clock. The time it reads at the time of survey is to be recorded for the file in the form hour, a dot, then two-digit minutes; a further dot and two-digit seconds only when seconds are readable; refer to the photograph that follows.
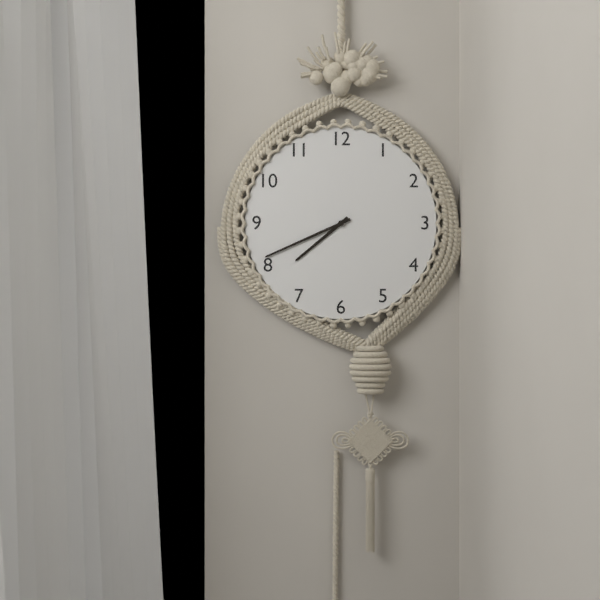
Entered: 7.41
